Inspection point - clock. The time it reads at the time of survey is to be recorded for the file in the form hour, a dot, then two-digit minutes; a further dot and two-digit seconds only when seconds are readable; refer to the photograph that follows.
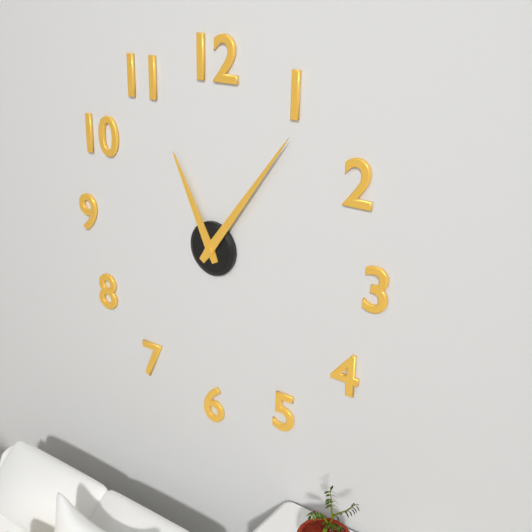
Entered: 11.06
